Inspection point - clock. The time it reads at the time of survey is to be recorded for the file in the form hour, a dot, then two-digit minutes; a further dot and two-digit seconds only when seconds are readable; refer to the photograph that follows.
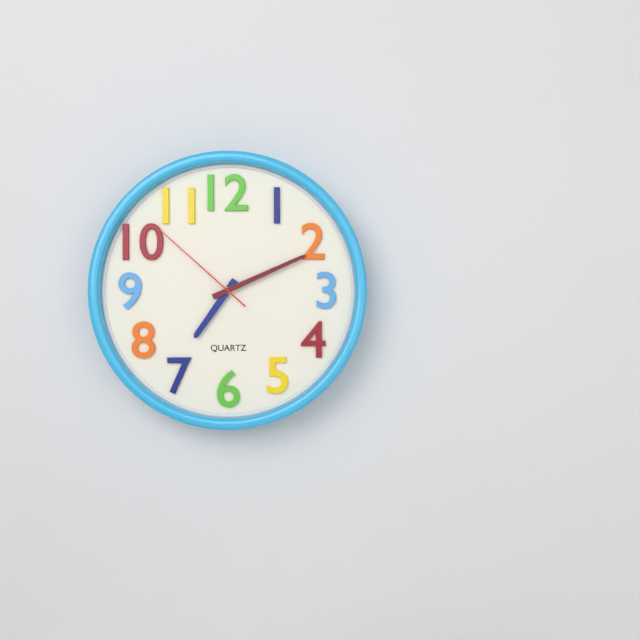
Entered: 7.11.52
